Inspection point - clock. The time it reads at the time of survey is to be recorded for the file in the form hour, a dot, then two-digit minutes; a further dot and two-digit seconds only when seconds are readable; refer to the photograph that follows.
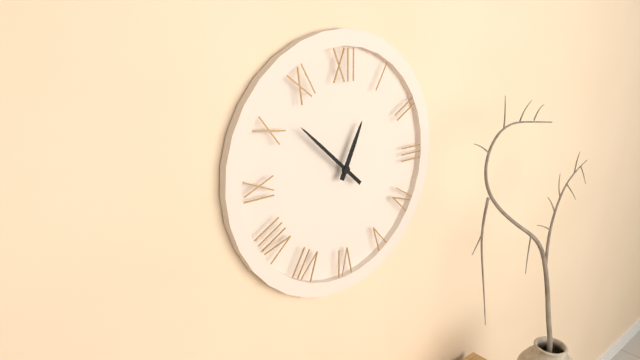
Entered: 12.52
